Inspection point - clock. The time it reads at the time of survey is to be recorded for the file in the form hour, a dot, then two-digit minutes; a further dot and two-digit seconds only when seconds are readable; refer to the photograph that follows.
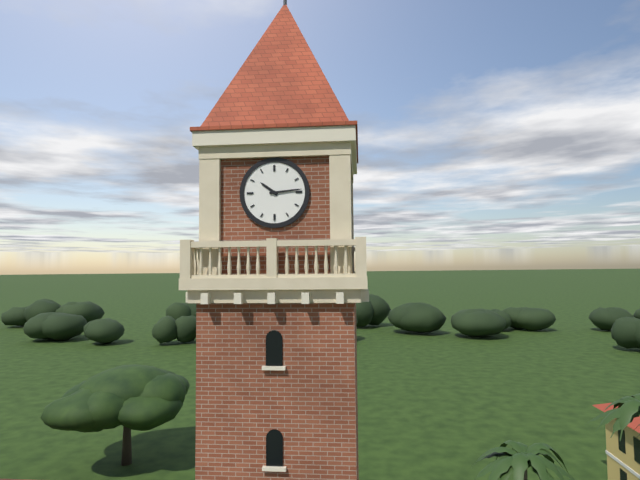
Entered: 10.14
